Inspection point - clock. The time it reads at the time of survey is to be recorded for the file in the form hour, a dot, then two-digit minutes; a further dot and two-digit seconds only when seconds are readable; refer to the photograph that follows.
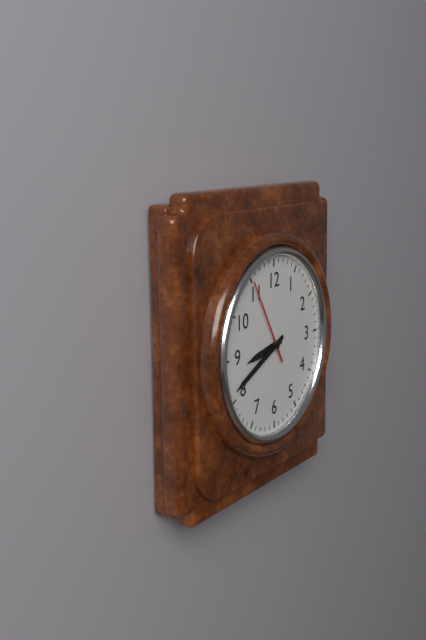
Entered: 8.41.55
